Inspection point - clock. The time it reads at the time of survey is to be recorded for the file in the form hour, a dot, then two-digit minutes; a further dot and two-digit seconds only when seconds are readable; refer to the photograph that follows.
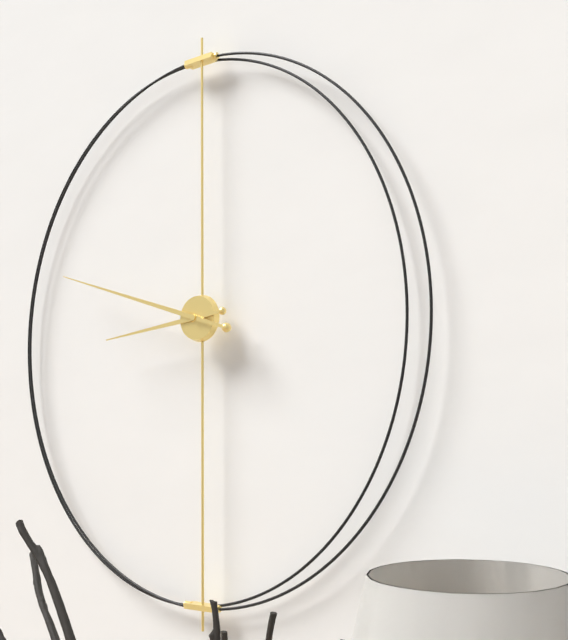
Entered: 8.48
